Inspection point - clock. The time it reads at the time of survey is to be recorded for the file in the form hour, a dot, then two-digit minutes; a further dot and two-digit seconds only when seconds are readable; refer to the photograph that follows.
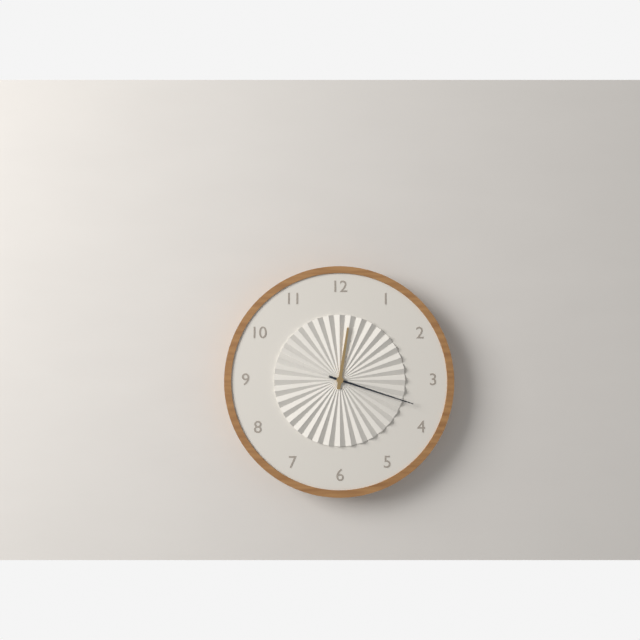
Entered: 12.18
